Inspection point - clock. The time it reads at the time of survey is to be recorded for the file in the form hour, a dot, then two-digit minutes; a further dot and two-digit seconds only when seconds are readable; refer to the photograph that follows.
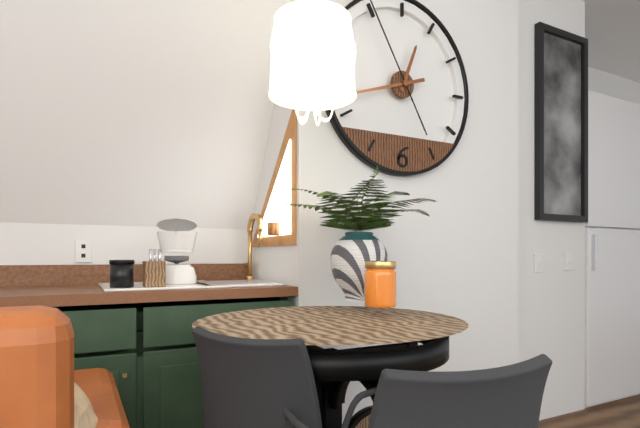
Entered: 12.42
